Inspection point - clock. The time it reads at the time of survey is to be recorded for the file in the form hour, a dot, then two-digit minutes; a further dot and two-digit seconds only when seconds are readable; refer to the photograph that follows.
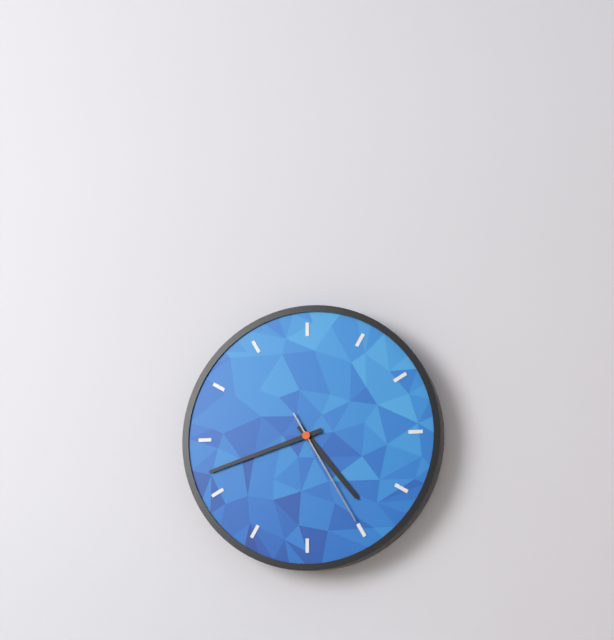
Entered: 4.42.25
